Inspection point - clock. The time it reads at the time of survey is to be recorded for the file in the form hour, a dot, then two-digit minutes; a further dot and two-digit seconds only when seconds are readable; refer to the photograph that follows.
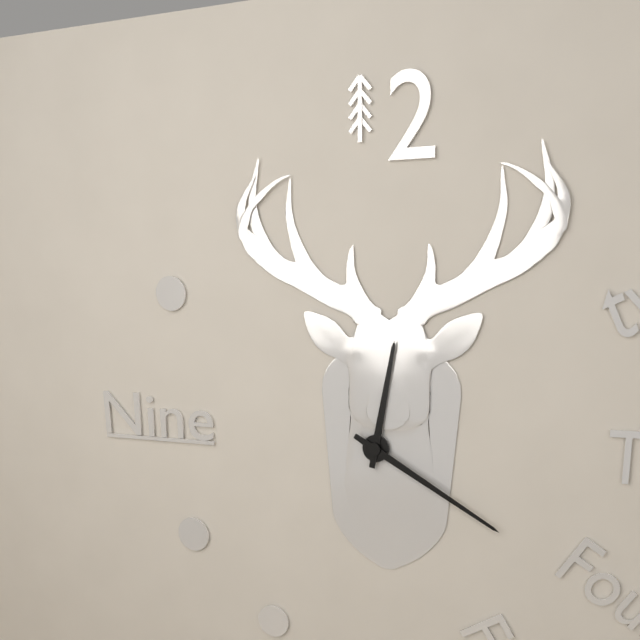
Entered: 12.20
